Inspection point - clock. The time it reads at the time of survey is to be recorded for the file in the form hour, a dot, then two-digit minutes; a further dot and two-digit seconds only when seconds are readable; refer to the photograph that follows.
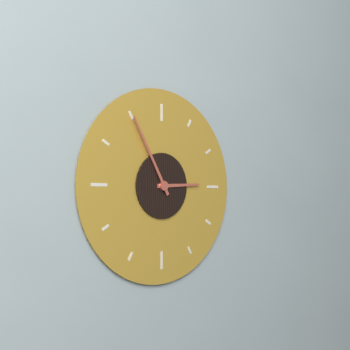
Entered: 2.55
